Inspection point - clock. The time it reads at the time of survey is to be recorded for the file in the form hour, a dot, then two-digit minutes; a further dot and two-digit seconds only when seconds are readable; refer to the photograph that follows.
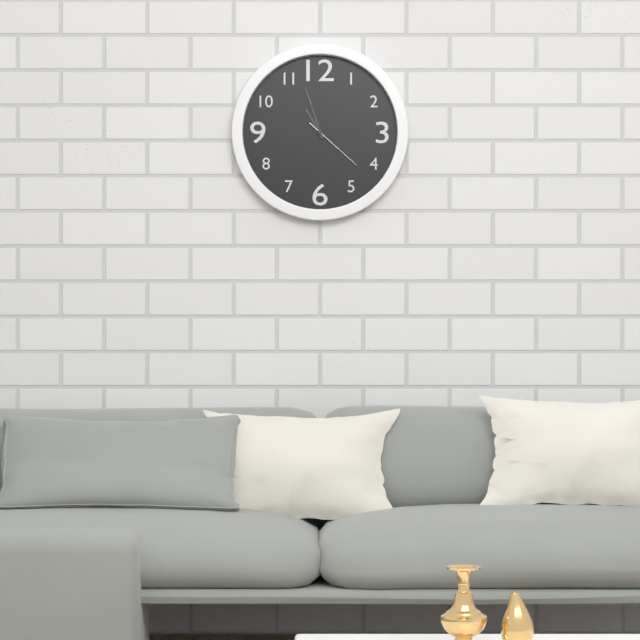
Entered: 10.57.22
